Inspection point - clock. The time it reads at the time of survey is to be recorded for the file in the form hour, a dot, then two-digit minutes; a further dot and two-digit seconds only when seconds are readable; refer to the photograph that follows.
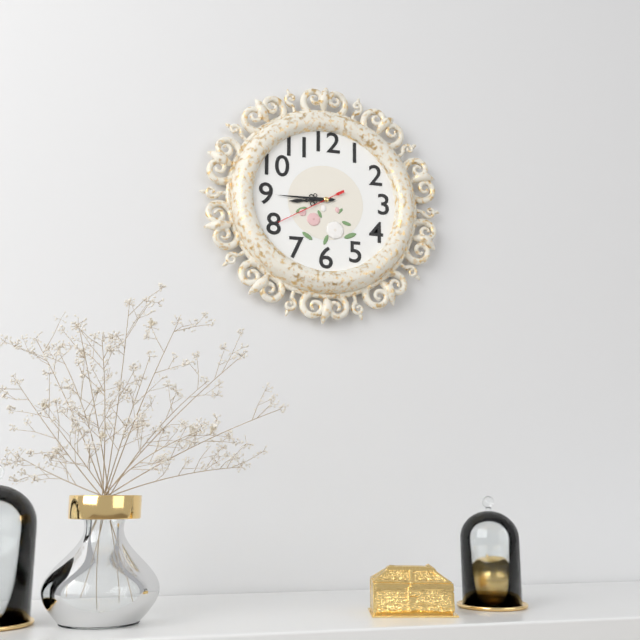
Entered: 8.45.40
